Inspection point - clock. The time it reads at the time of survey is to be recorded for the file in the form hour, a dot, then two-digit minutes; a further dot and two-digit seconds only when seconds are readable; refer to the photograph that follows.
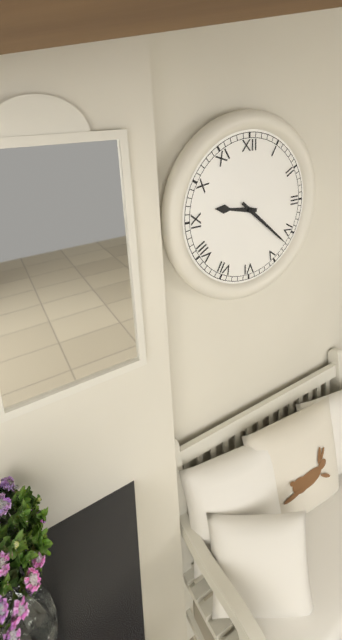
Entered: 9.22
